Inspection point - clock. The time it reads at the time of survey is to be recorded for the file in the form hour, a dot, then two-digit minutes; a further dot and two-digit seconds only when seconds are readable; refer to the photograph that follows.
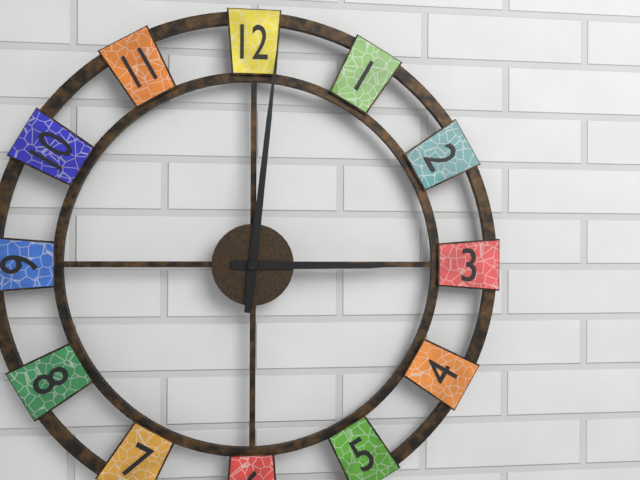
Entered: 3.01
